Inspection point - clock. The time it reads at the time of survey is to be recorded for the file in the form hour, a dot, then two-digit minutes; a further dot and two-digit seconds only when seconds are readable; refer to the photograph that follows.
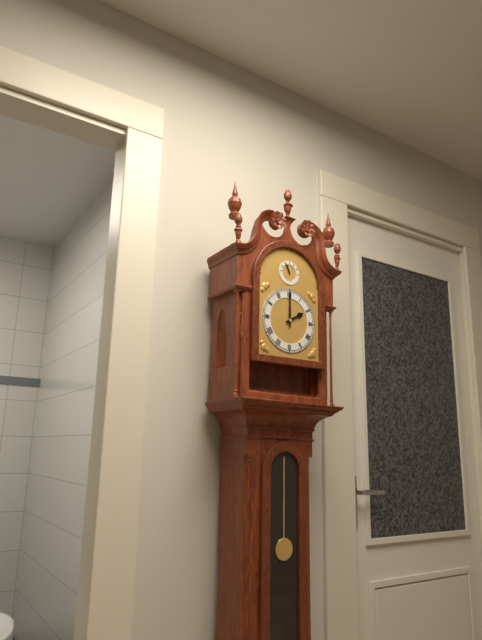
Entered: 2.00
